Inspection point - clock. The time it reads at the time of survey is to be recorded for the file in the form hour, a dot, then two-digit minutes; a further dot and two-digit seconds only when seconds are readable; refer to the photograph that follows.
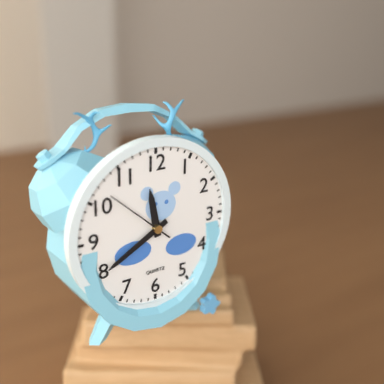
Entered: 11.40.52
